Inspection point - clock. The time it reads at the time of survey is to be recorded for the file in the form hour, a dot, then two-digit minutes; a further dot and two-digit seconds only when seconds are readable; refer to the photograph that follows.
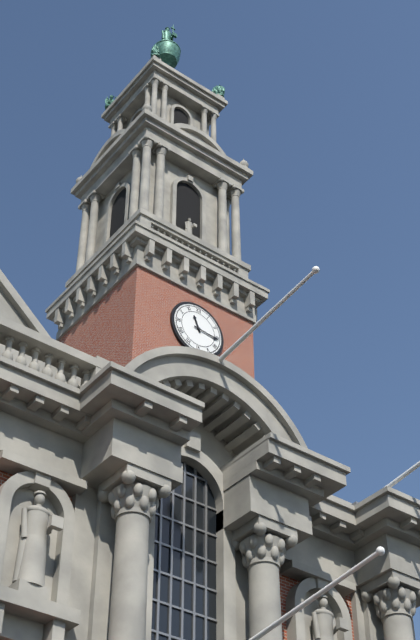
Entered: 11.16
